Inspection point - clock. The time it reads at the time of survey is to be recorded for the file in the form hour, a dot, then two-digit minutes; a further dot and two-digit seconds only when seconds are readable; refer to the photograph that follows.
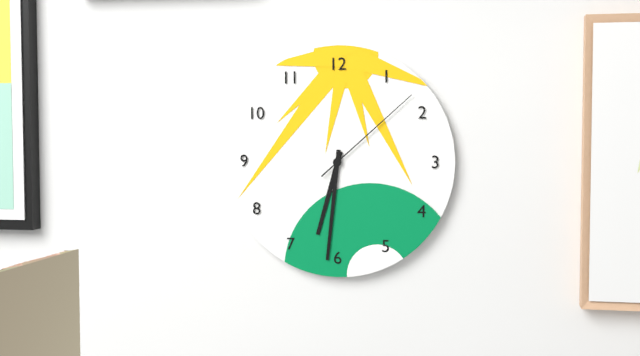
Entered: 6.31.08
